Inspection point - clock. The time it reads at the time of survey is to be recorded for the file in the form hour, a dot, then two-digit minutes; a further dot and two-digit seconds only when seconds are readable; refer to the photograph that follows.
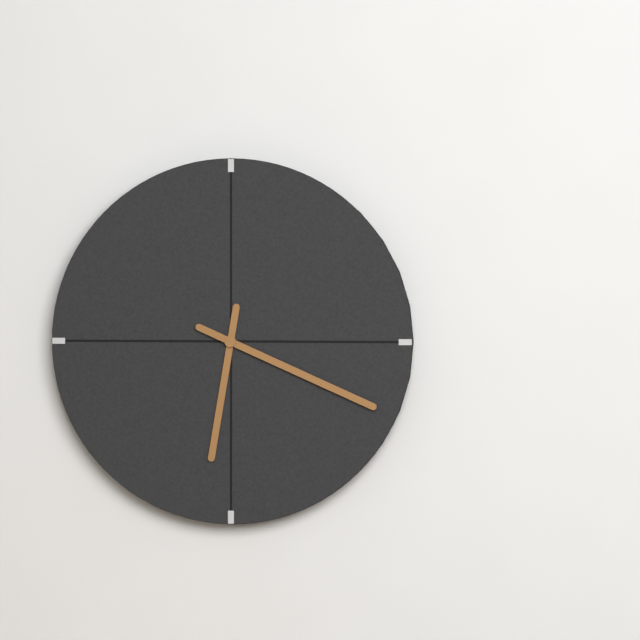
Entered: 6.19
